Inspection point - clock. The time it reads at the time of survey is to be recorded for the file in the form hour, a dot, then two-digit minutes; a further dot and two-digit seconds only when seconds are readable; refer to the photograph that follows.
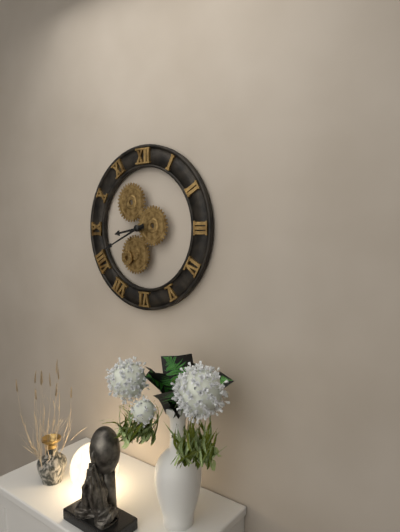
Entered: 8.41
